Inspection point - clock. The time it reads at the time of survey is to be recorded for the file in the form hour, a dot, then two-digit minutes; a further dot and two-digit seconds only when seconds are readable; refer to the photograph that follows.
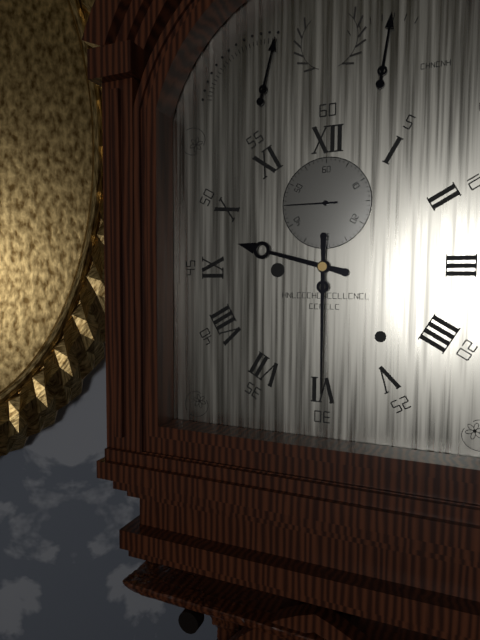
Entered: 9.30.45
